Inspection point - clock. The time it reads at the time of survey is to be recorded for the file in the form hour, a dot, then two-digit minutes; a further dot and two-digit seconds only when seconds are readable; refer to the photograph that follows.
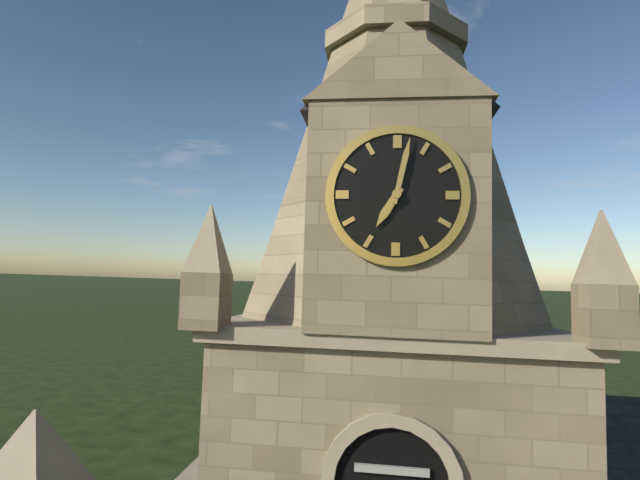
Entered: 7.02
